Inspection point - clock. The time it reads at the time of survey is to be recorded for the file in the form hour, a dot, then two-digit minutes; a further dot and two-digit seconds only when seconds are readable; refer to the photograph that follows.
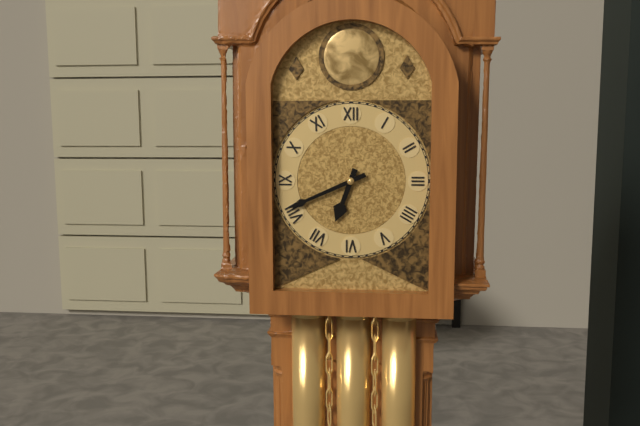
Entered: 6.41
